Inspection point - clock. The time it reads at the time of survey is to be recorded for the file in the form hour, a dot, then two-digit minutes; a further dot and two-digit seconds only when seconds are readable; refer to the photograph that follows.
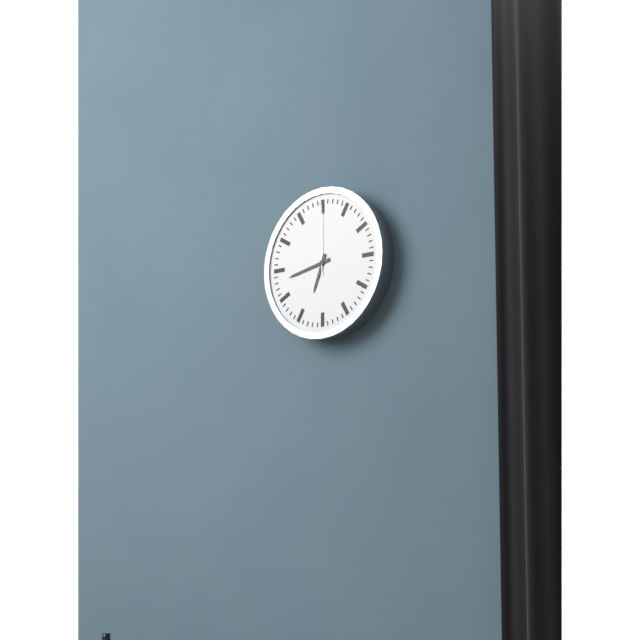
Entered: 6.43.00
